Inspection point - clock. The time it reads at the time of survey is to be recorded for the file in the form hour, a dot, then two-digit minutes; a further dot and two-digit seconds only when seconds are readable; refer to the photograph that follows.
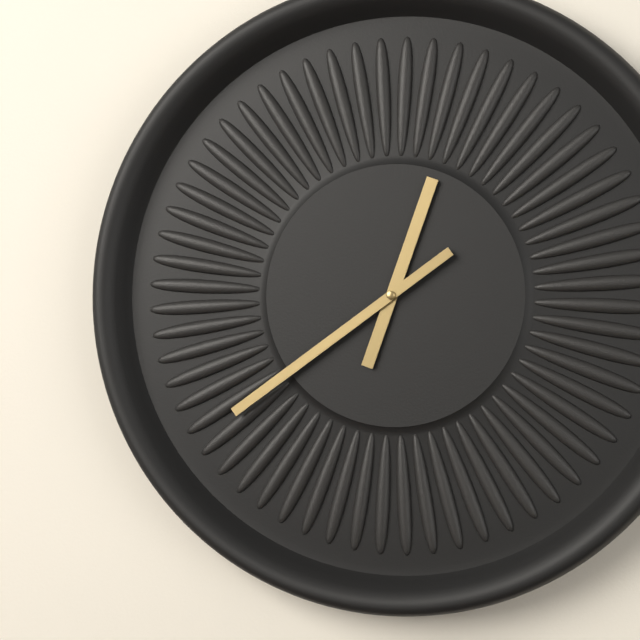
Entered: 12.39
